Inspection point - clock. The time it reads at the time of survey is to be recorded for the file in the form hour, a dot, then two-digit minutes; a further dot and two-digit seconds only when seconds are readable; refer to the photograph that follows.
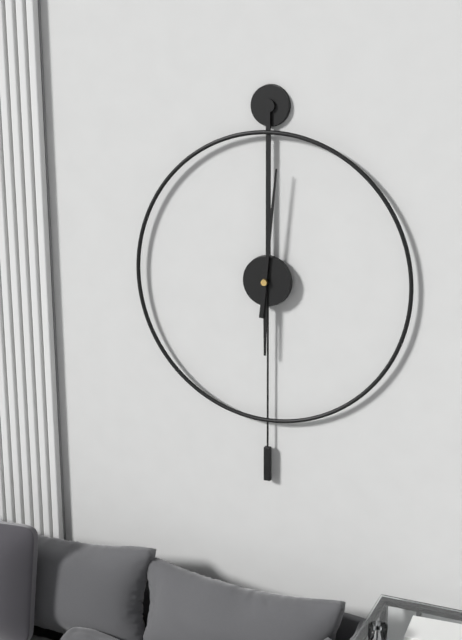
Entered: 6.01
